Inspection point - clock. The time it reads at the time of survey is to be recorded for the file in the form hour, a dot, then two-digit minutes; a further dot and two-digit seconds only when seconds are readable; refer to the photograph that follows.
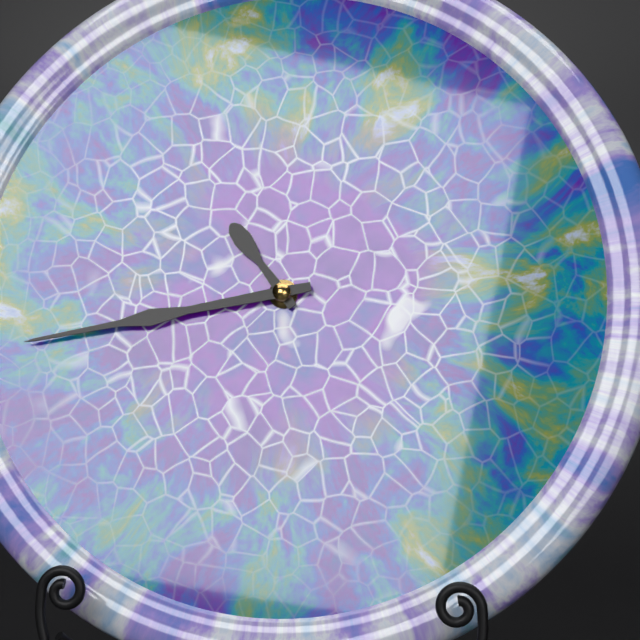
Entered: 10.43
